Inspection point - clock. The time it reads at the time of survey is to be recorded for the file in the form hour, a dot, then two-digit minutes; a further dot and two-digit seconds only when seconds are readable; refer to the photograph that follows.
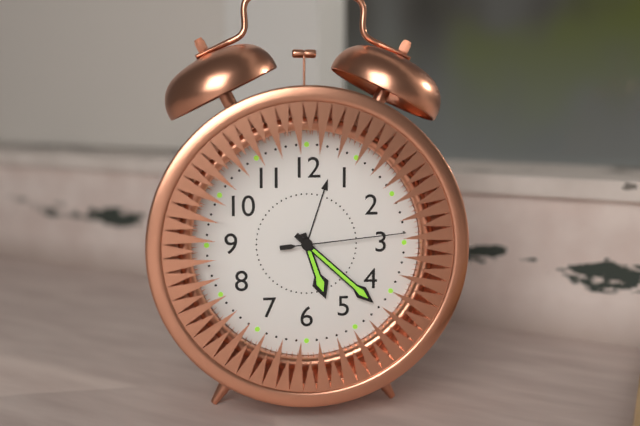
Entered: 5.22.14
